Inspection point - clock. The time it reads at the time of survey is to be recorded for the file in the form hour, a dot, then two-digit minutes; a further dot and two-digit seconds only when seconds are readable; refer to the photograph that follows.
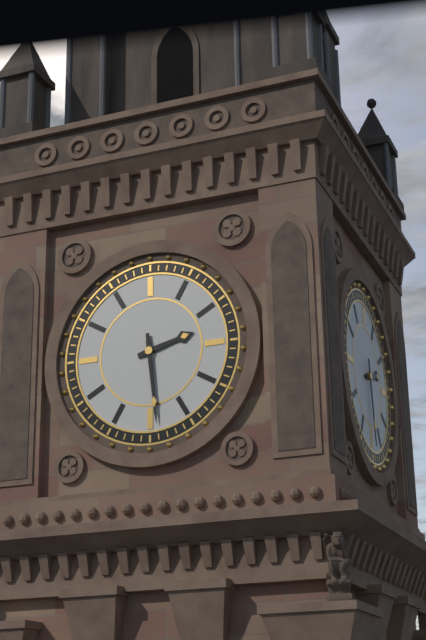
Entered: 2.29
